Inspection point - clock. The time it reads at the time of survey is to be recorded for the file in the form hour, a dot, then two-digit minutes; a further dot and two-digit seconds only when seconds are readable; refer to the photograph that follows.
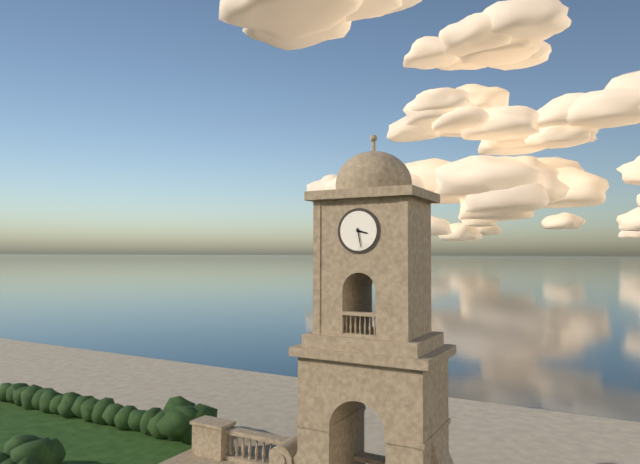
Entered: 3.28
